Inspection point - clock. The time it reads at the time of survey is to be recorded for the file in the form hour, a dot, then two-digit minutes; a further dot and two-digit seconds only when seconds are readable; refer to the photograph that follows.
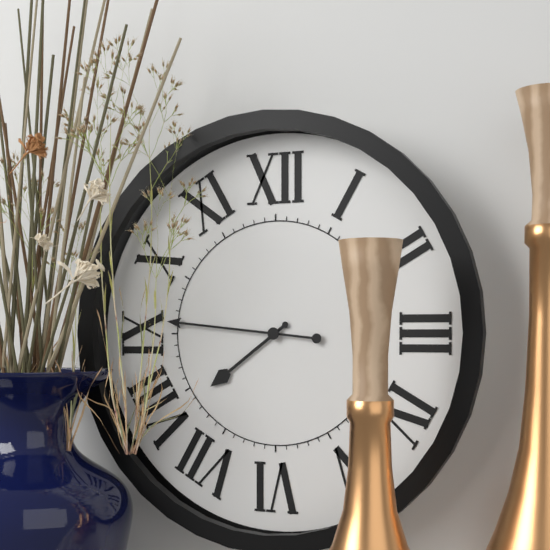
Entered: 7.46
